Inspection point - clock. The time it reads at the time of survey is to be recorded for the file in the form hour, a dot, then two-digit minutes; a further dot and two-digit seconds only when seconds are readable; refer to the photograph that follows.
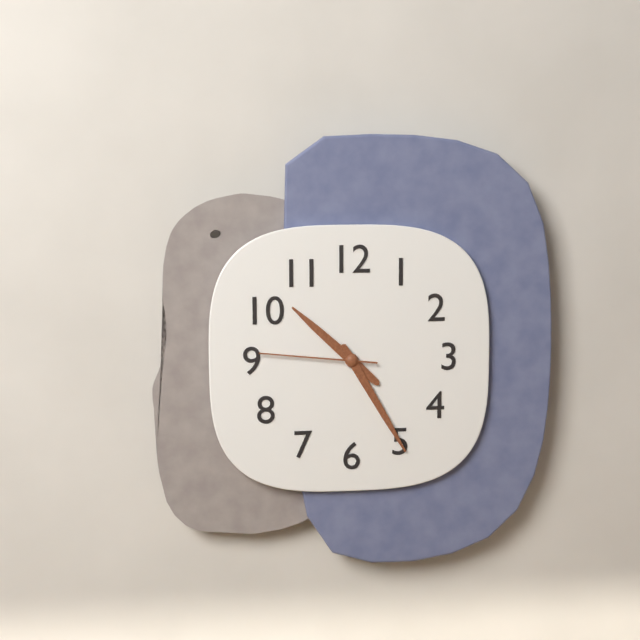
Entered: 10.25.46
